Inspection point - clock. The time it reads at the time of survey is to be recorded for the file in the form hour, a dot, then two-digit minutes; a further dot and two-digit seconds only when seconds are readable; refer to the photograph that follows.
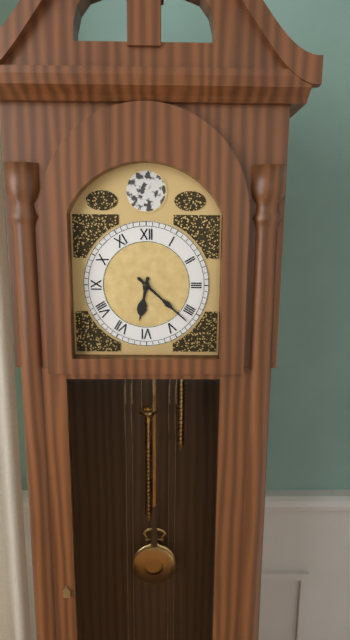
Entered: 6.22
